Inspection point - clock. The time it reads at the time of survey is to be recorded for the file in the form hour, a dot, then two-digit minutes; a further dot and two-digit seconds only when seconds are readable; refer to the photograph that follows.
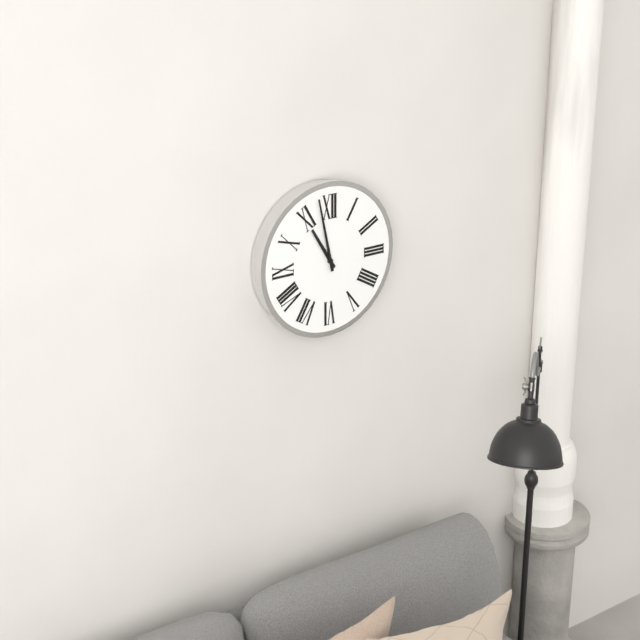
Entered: 10.58
